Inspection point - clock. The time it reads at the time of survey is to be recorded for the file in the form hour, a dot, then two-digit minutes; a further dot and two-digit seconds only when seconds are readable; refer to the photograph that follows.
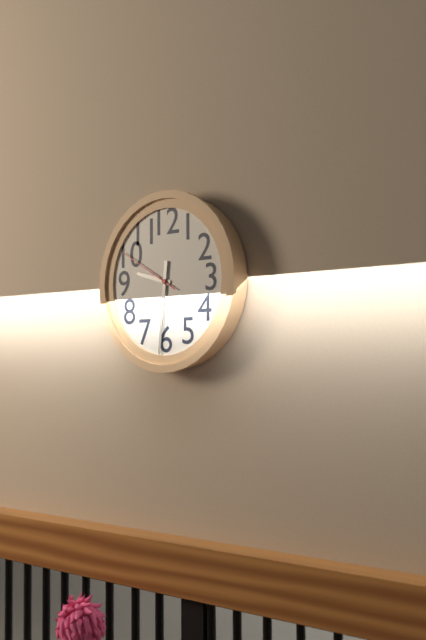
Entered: 9.31.50
